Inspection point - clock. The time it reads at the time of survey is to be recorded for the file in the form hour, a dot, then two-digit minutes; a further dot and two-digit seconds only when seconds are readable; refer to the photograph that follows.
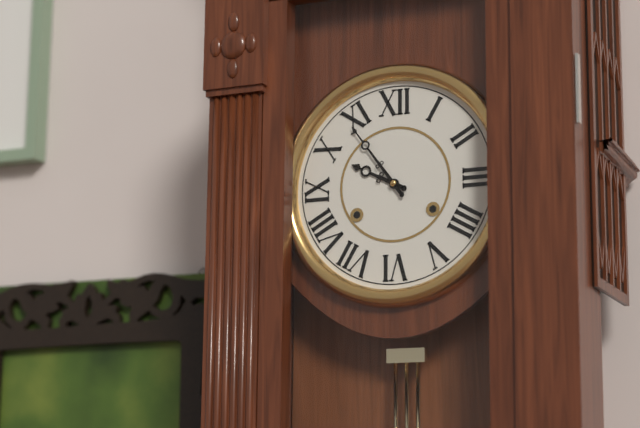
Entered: 9.54
